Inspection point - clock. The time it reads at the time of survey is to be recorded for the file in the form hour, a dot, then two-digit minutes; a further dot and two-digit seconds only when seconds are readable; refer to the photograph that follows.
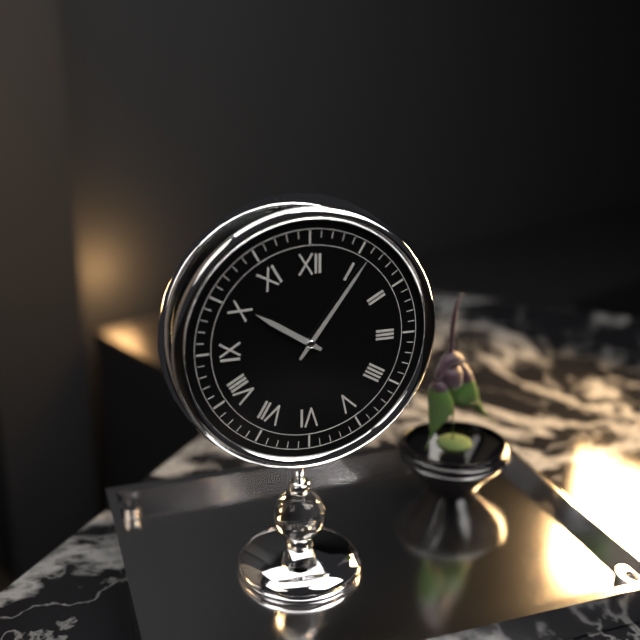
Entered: 10.06
